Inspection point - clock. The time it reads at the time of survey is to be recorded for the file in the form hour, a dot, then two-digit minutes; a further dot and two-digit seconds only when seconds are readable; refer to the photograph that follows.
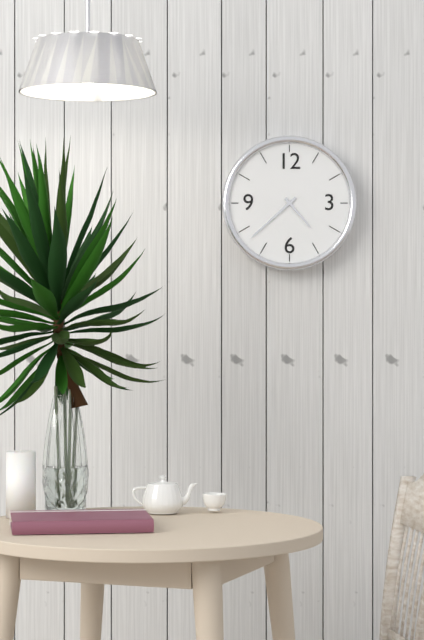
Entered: 4.38
